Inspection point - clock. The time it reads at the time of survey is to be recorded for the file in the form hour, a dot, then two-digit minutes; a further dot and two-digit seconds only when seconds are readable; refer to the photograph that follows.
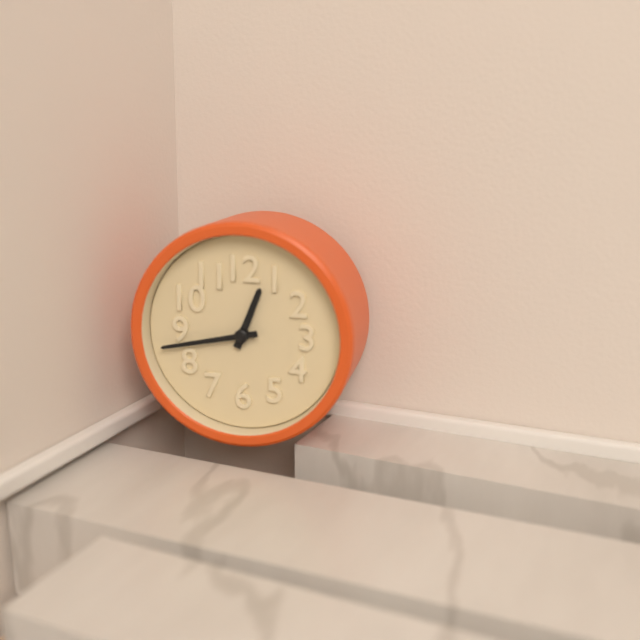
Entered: 12.43
